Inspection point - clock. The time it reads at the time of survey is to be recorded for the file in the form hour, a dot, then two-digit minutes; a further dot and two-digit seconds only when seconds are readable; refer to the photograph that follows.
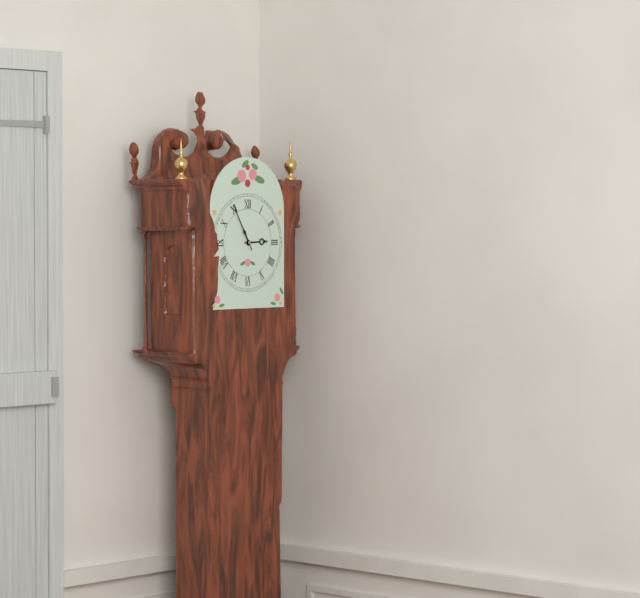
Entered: 2.55
